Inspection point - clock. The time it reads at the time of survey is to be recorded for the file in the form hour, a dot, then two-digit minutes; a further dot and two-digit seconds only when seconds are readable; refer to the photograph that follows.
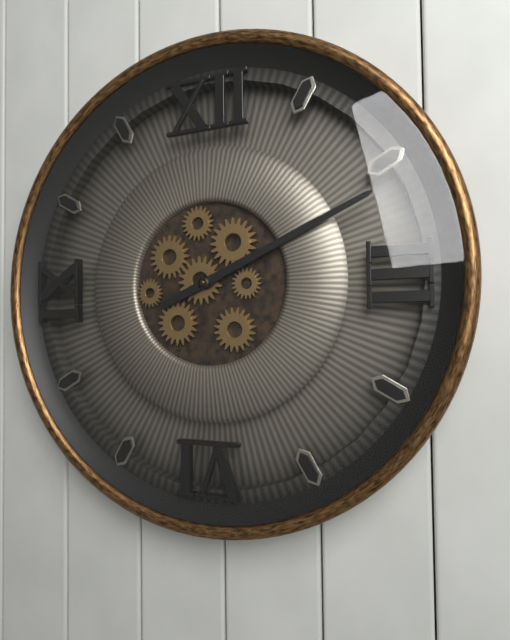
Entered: 2.11
